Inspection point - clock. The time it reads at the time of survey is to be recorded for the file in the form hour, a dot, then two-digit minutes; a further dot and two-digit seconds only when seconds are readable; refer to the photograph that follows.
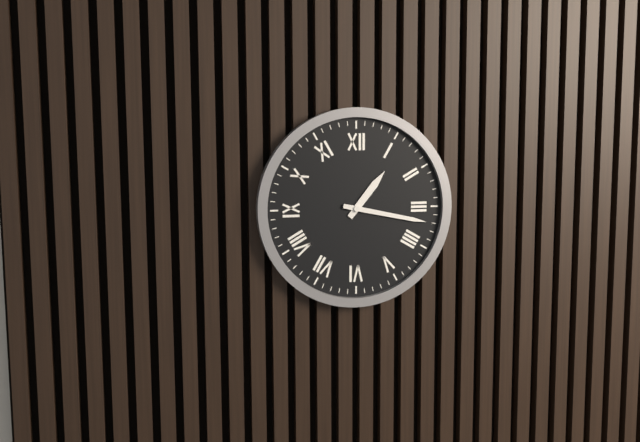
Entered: 1.17
